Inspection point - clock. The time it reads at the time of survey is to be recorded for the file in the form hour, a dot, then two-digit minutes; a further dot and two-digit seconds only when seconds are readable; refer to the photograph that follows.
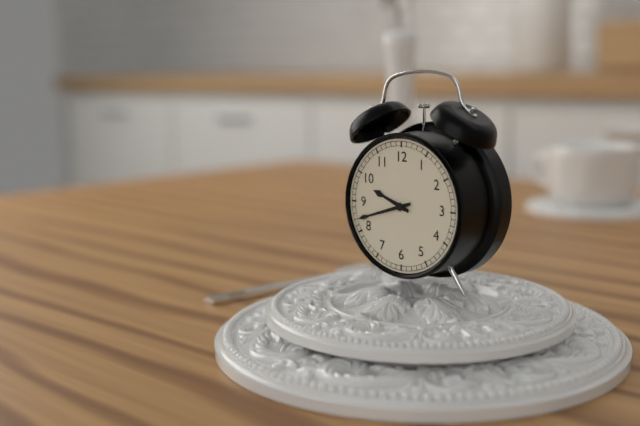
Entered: 9.42
